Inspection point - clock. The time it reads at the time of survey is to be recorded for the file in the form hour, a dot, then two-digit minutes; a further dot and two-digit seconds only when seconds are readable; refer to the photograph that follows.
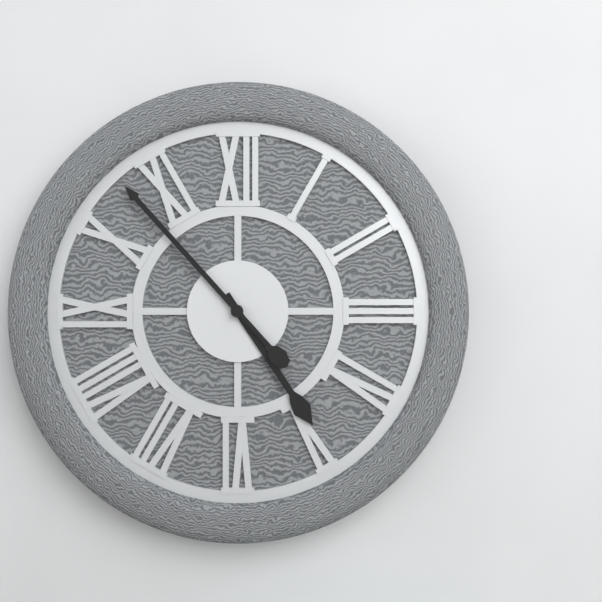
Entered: 4.53
